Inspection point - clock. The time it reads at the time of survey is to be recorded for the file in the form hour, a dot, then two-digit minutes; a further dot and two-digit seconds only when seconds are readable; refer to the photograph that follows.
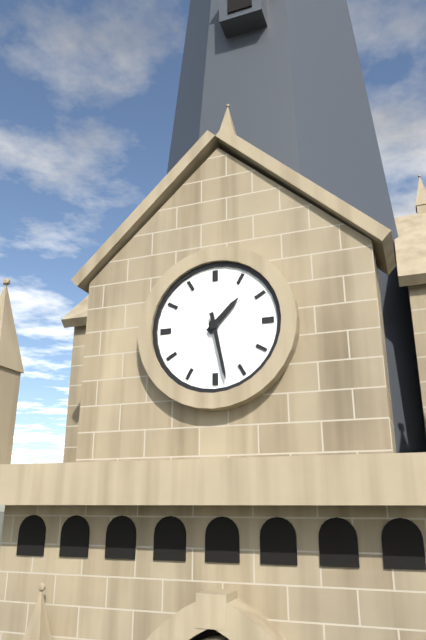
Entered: 1.28
